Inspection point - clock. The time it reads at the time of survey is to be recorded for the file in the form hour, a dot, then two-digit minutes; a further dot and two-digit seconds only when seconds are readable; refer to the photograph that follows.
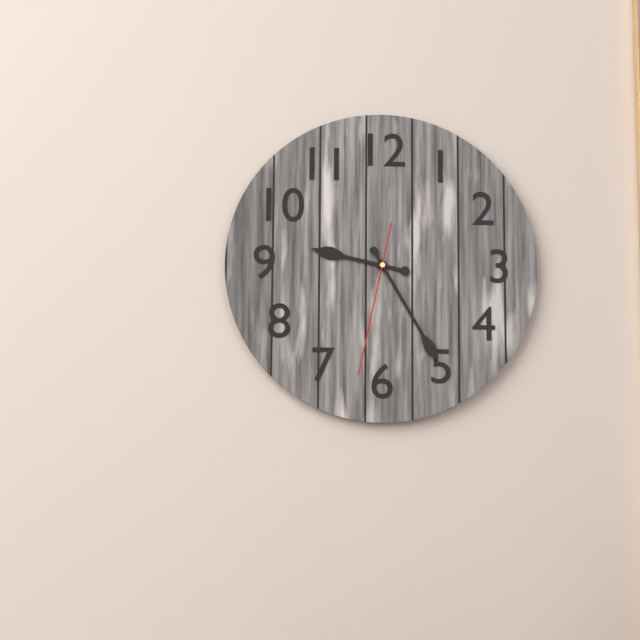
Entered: 9.25.32
